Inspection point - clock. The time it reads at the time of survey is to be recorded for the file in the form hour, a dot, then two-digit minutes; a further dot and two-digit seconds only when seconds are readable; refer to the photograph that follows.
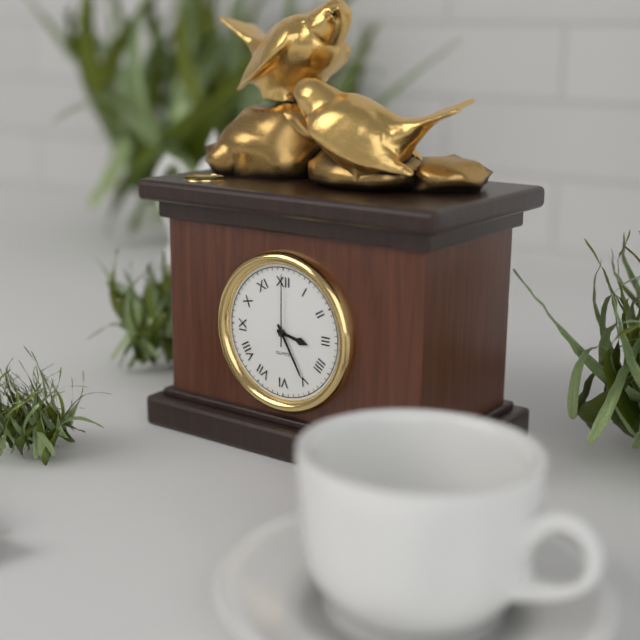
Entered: 3.25.00
